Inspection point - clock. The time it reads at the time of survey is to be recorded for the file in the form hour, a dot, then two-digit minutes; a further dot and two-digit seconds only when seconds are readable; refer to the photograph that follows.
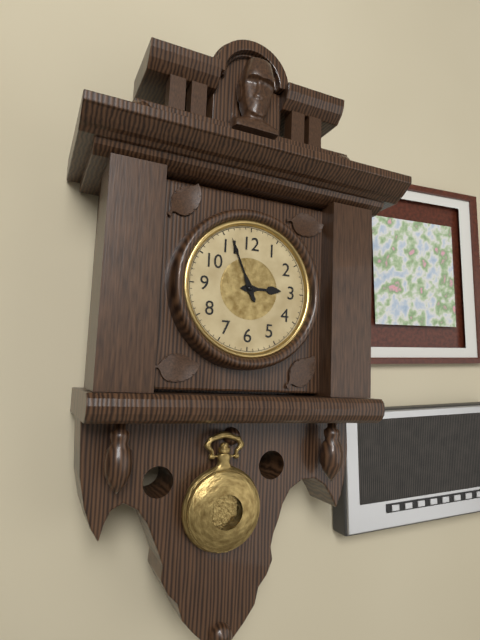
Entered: 2.56
